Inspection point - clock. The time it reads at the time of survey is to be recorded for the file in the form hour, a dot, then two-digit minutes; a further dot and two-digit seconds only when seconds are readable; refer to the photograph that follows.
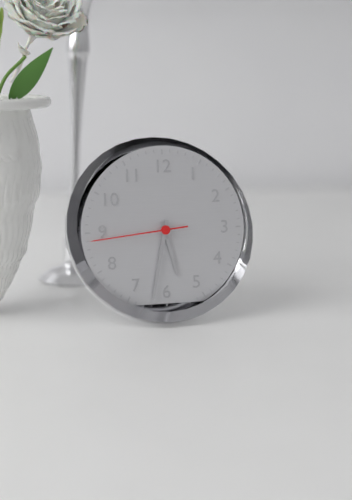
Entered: 5.32.44
